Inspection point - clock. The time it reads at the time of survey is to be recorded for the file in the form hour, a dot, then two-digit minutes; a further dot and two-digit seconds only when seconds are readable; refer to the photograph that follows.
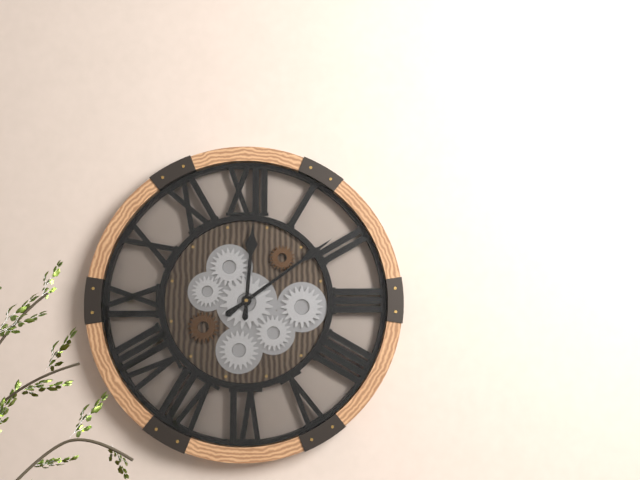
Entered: 12.09
